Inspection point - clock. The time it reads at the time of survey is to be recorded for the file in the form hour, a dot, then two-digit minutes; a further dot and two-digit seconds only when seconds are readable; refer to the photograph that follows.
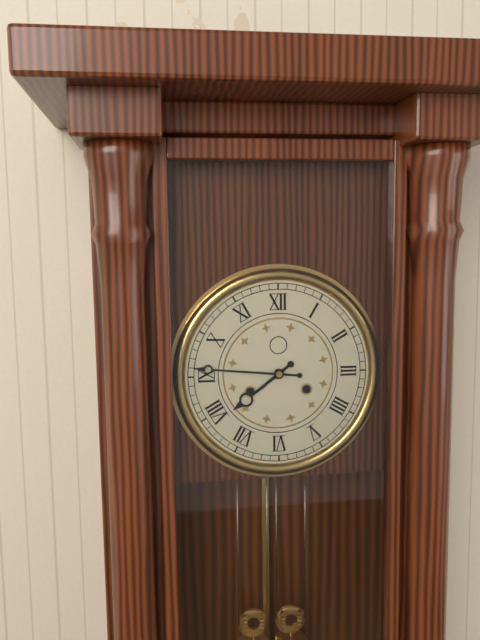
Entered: 7.46
